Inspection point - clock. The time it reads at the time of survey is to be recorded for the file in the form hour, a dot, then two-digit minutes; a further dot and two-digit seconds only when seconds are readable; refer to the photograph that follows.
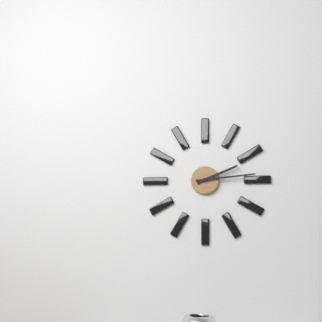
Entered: 2.14
